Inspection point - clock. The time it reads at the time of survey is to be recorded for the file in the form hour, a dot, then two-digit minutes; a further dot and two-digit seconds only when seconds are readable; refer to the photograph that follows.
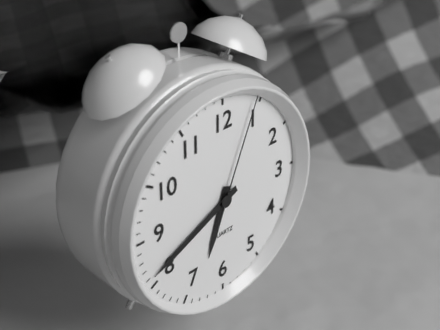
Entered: 6.41.04
